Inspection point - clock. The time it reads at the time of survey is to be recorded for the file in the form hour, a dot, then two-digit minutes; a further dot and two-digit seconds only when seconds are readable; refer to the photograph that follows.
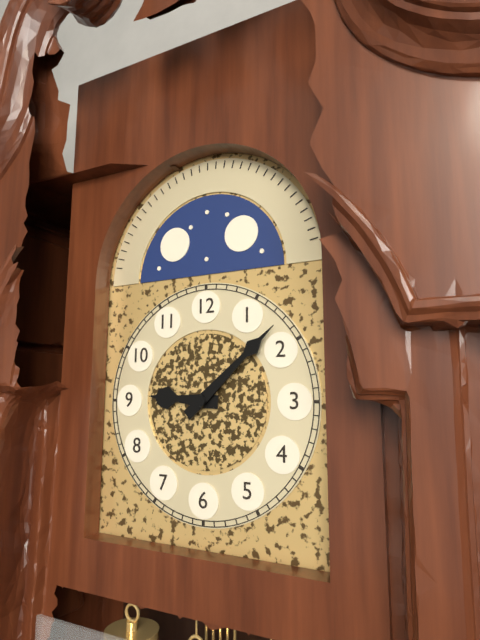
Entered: 9.08
